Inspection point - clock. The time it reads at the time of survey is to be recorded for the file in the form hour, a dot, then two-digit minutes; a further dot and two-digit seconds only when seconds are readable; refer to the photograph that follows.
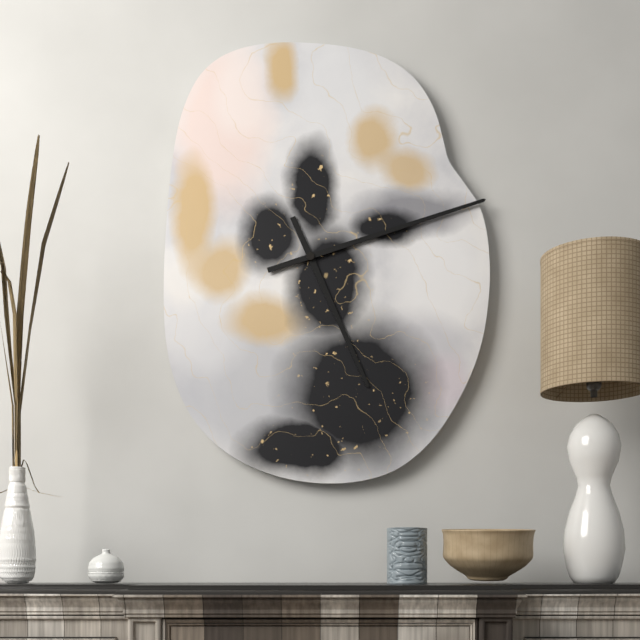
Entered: 5.12
